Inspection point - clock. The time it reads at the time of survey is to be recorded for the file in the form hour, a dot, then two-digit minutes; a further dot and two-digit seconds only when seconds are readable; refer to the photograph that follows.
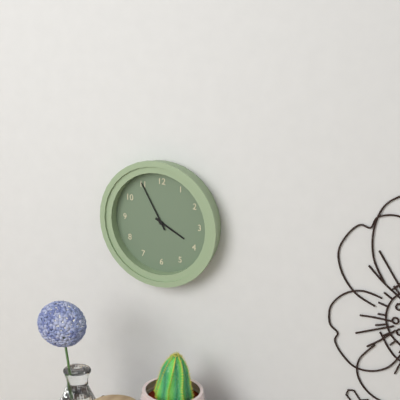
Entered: 3.55
